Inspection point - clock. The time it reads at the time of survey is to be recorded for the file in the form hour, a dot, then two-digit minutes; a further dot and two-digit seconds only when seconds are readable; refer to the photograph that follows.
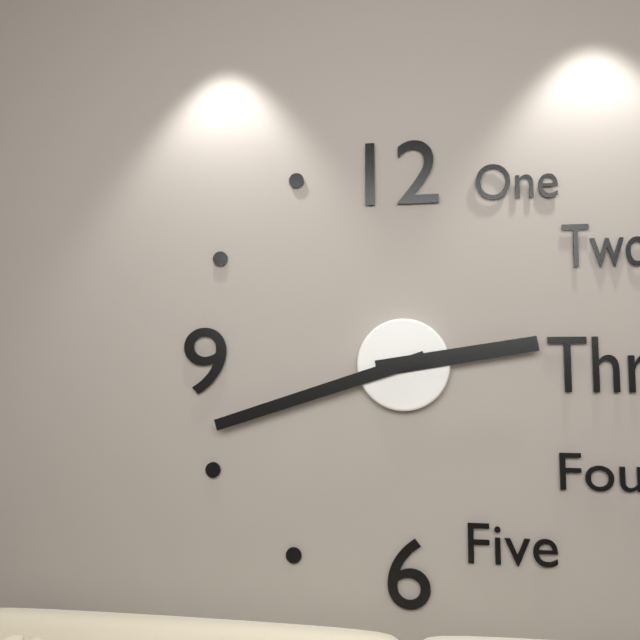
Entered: 2.42
